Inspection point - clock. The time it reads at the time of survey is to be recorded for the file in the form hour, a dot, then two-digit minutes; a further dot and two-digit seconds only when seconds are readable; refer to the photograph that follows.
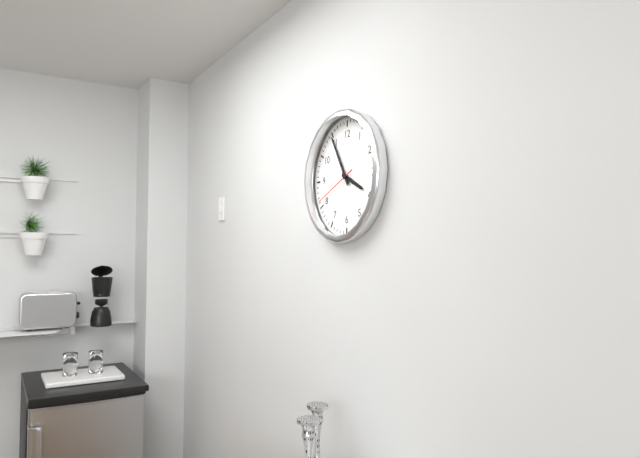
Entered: 3.55
